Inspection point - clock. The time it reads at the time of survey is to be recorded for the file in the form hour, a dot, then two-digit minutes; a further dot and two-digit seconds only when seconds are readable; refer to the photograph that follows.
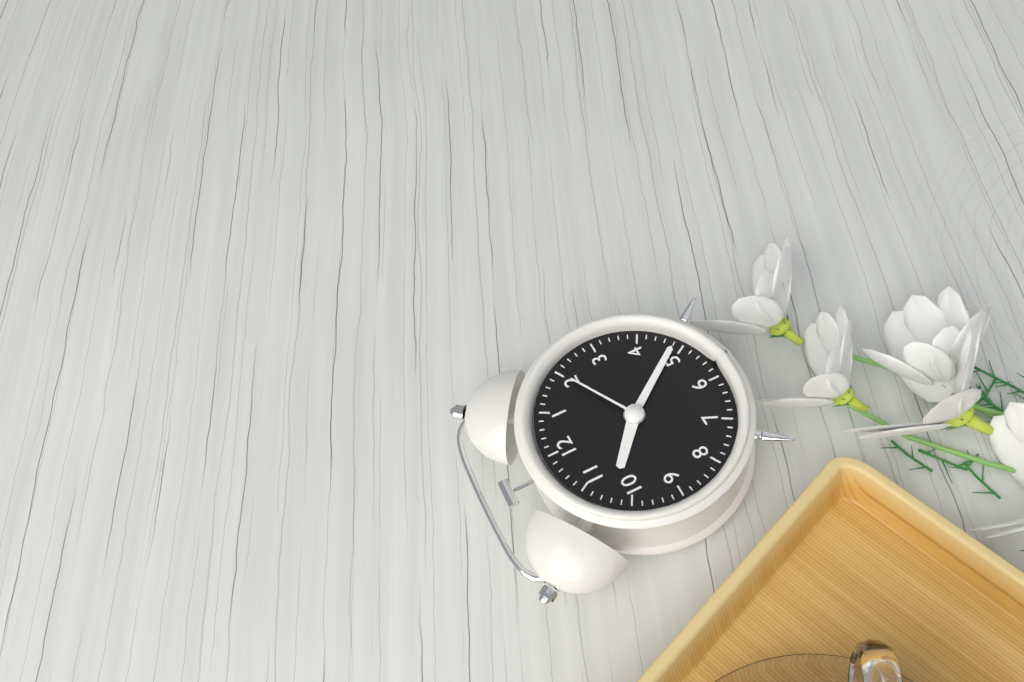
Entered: 10.24.10
